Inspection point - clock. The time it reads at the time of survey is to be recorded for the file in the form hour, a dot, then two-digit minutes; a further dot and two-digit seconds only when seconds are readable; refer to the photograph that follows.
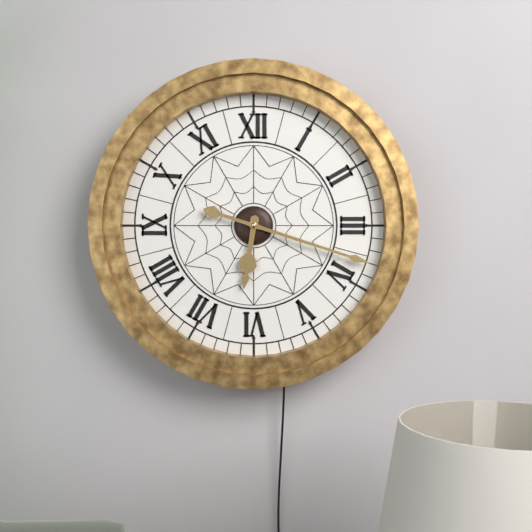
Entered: 6.18
